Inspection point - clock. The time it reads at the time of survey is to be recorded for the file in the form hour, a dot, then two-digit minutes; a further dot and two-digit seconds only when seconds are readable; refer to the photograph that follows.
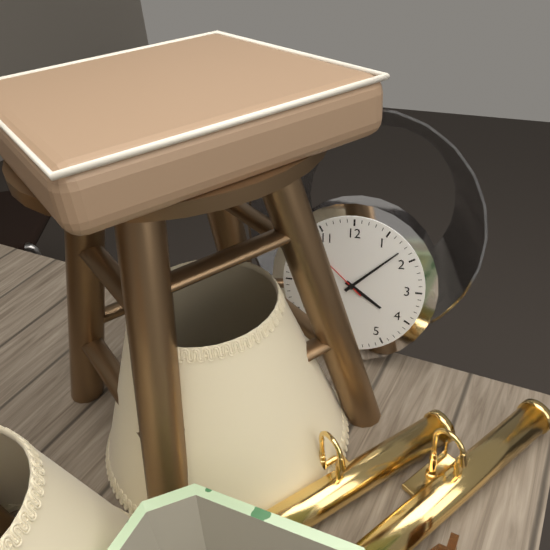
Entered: 4.08
